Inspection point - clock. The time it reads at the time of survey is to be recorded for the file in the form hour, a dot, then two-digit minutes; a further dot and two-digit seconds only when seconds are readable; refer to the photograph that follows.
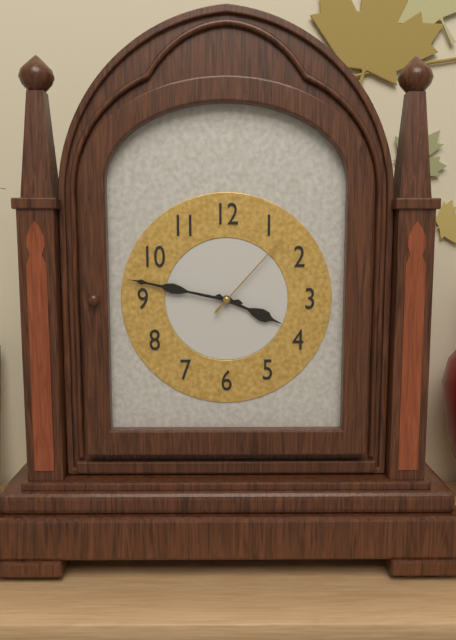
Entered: 3.47.07
